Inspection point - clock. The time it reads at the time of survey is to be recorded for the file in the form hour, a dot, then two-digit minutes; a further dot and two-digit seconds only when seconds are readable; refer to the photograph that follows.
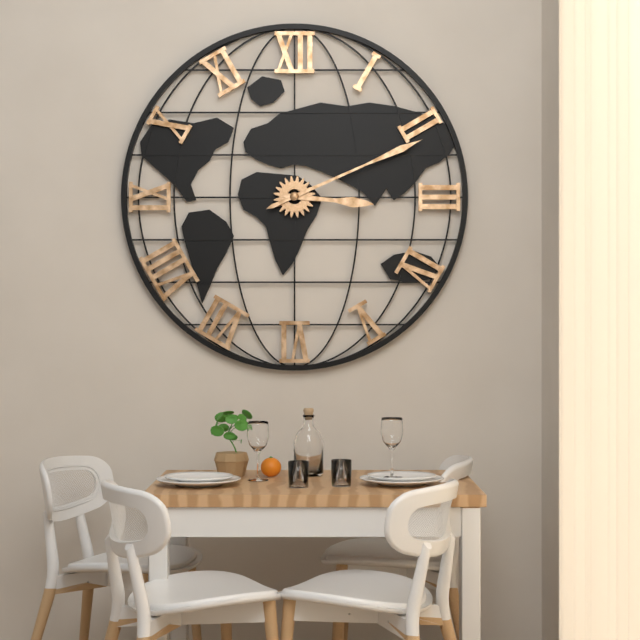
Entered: 3.11
